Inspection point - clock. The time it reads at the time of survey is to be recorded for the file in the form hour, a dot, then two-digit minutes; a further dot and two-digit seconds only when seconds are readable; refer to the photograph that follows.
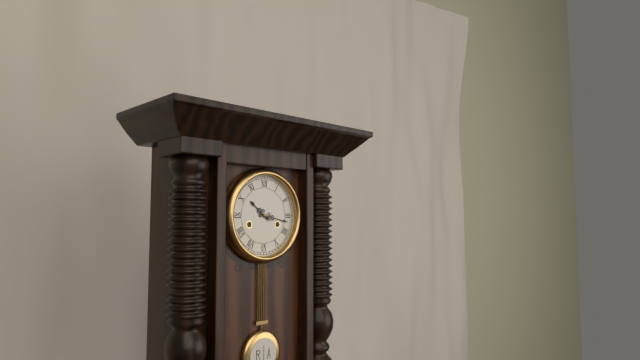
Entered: 10.17
